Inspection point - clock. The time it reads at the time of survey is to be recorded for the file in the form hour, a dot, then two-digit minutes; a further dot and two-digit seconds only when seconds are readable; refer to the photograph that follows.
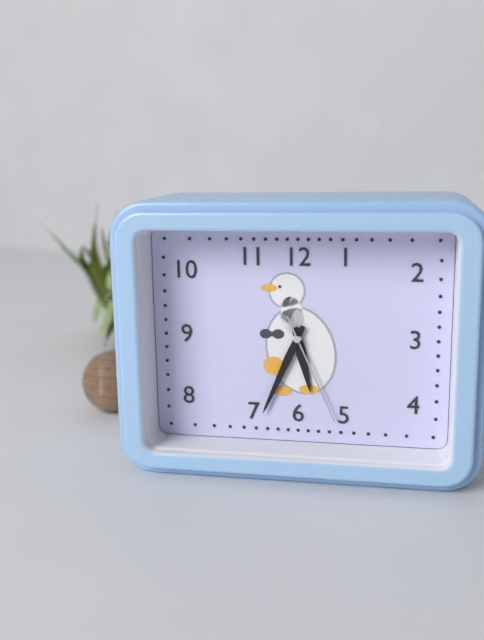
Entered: 5.34.26
